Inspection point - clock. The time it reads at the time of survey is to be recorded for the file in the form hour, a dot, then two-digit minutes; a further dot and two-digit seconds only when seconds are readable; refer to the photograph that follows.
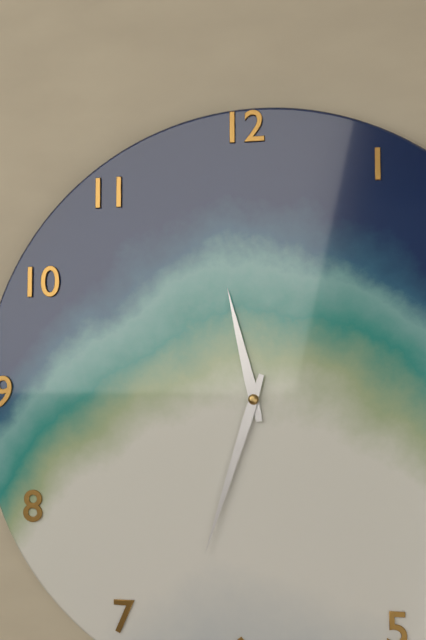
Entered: 11.33
